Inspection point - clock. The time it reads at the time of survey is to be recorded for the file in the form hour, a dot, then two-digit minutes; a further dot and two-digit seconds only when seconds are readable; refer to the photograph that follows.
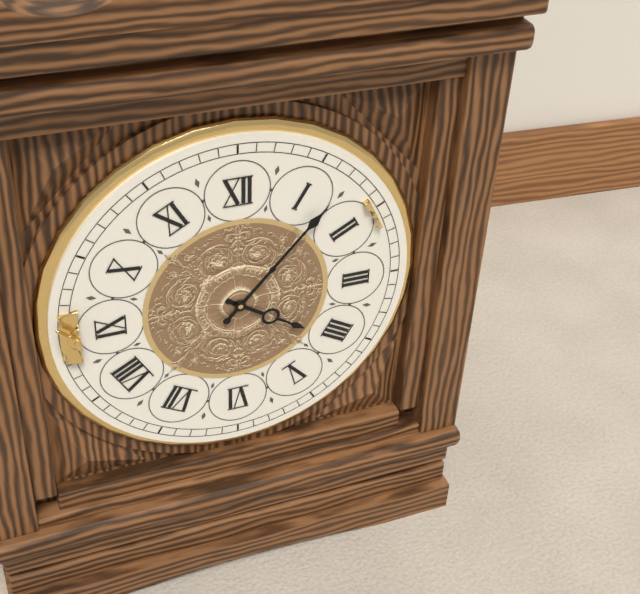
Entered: 4.07
